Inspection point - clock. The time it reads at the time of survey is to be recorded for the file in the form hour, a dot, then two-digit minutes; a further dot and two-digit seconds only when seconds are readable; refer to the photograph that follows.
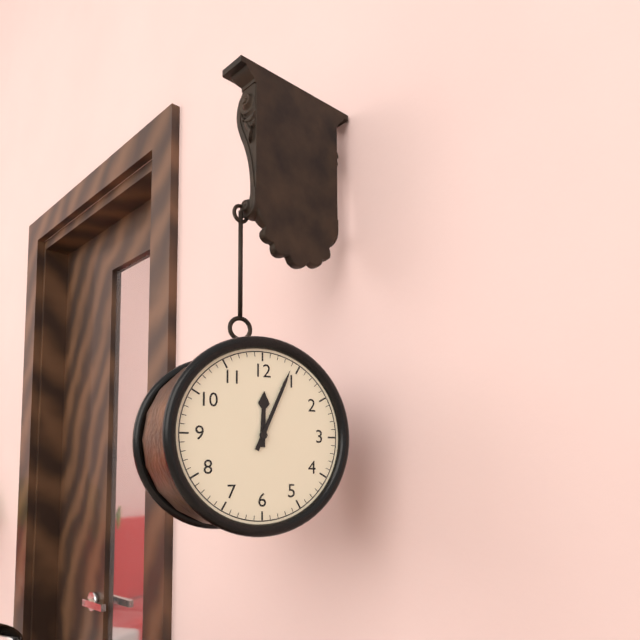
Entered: 12.04
